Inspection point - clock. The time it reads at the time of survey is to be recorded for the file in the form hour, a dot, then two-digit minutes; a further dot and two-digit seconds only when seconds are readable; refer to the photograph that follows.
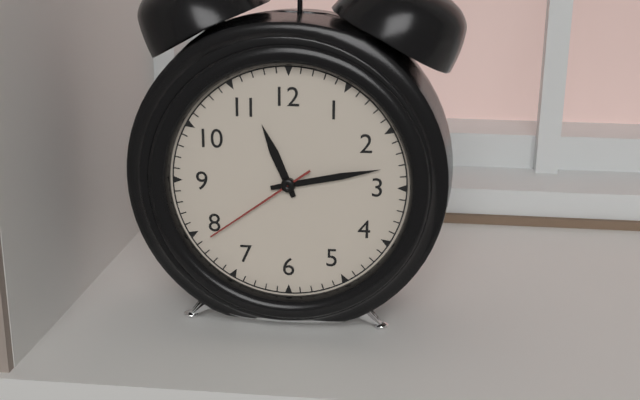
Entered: 11.13.39
